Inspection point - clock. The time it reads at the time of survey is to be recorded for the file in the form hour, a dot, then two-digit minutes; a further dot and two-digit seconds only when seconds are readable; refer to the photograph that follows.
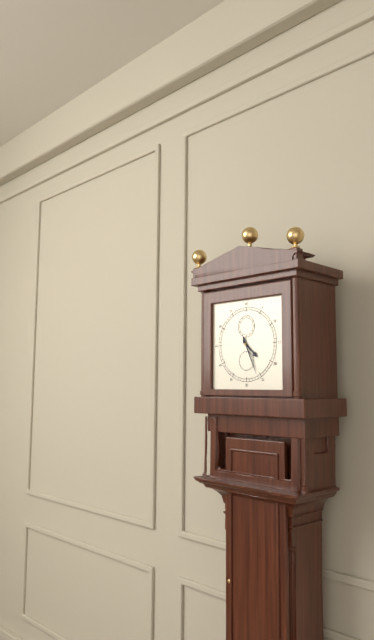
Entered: 4.26
